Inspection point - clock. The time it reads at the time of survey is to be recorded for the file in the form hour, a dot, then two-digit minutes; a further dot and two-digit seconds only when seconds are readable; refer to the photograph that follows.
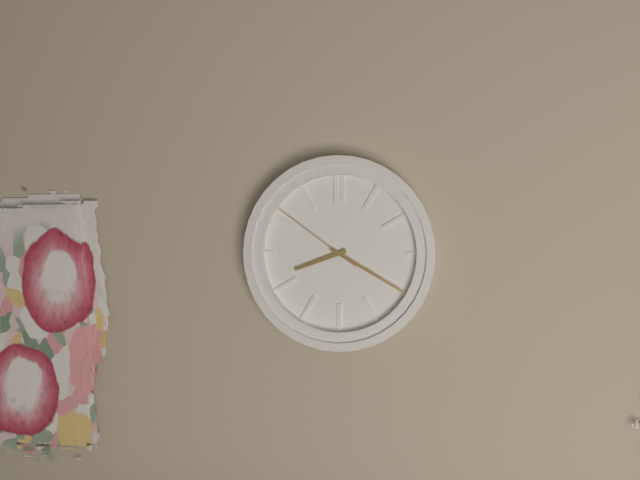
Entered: 8.20.51
